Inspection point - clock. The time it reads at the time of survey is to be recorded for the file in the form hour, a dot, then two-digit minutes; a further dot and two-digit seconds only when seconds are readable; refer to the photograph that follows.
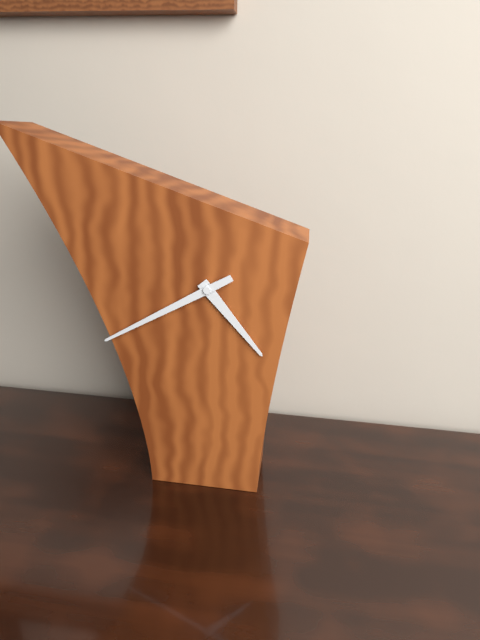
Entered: 4.40
